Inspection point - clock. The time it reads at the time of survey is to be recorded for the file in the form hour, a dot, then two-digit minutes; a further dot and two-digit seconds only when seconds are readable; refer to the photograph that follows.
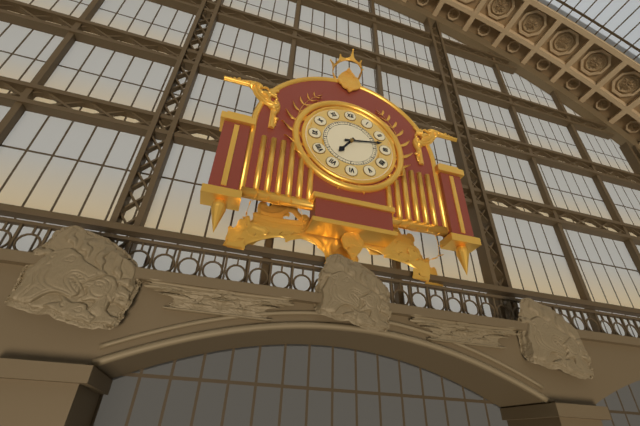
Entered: 7.13
